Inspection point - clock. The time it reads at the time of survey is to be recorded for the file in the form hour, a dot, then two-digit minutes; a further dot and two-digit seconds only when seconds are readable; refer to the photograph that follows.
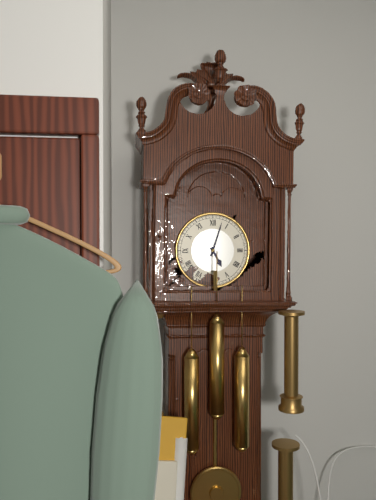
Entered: 5.03
